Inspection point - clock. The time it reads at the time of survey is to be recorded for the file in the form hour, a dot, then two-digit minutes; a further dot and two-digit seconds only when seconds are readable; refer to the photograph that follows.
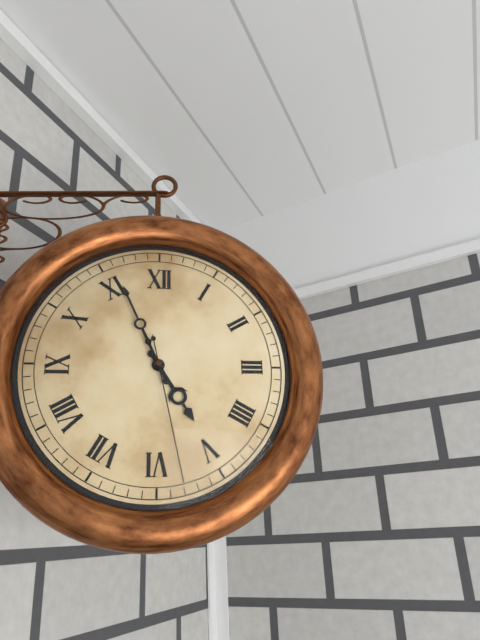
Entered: 4.56.28
